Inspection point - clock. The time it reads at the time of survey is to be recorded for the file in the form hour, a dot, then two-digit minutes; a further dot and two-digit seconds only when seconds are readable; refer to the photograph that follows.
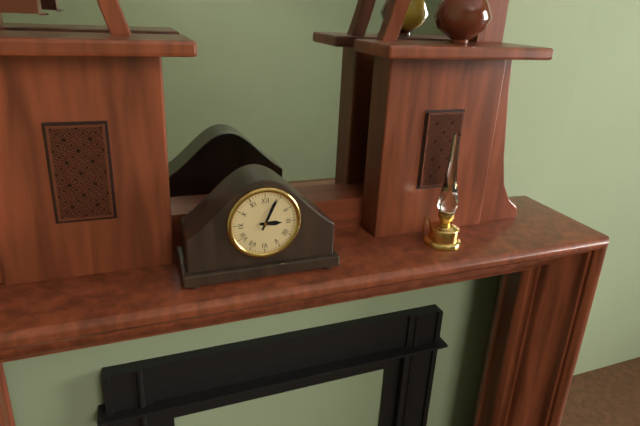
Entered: 3.04
